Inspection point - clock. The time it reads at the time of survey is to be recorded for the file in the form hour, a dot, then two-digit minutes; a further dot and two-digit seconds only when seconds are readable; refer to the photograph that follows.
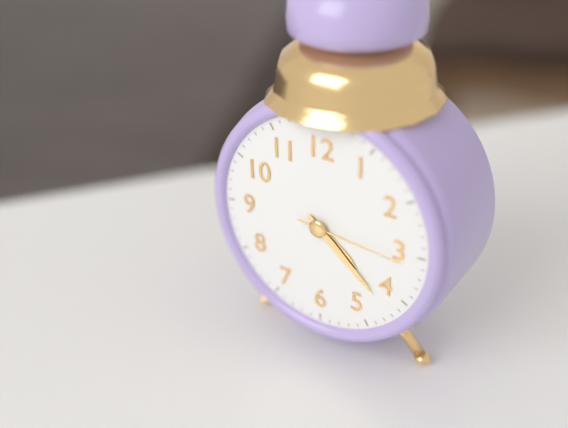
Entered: 4.22.16
